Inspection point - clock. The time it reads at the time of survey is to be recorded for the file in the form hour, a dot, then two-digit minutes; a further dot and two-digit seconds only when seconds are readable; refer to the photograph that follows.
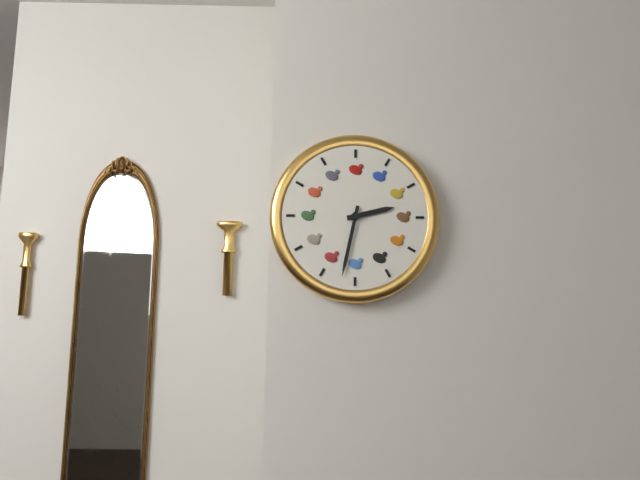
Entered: 2.32
